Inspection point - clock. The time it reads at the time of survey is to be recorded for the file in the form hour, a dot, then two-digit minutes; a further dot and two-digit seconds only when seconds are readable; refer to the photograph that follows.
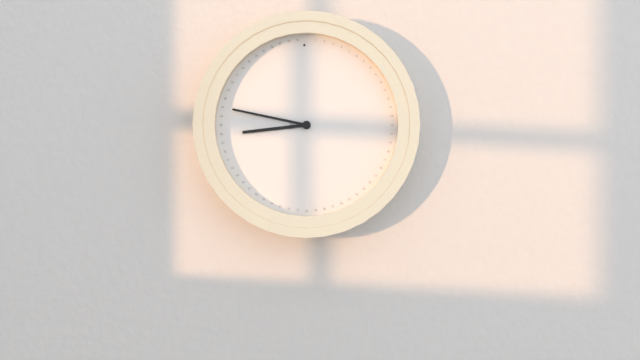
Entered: 8.47
